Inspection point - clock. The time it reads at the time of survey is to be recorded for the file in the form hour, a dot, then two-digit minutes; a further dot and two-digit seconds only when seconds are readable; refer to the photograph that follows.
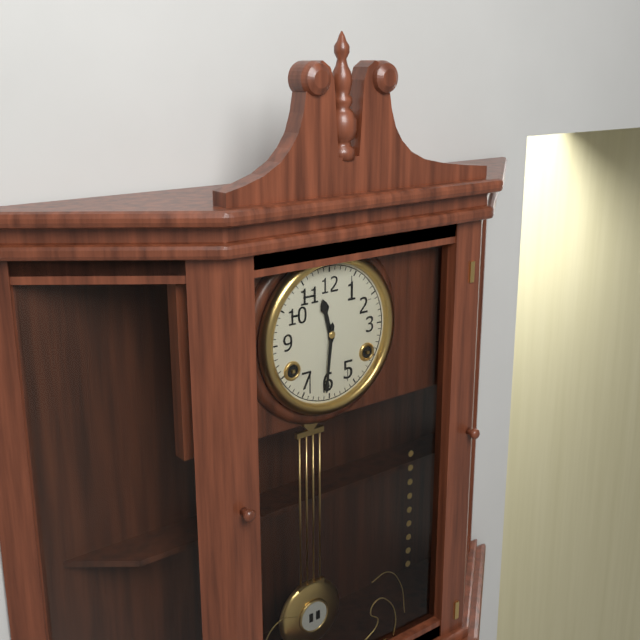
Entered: 11.31
